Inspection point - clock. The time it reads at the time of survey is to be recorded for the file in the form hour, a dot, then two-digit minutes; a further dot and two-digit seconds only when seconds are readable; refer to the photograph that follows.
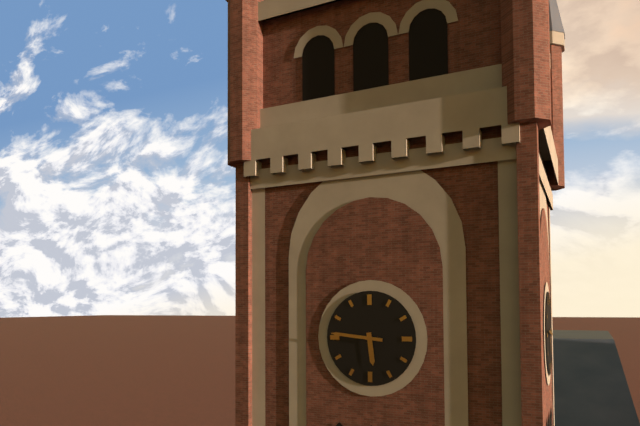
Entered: 5.46
